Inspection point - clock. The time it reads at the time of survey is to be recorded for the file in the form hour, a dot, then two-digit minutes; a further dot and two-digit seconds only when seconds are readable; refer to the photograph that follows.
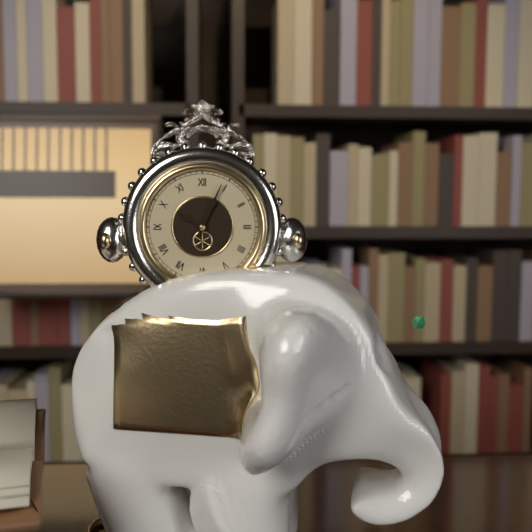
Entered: 10.04
